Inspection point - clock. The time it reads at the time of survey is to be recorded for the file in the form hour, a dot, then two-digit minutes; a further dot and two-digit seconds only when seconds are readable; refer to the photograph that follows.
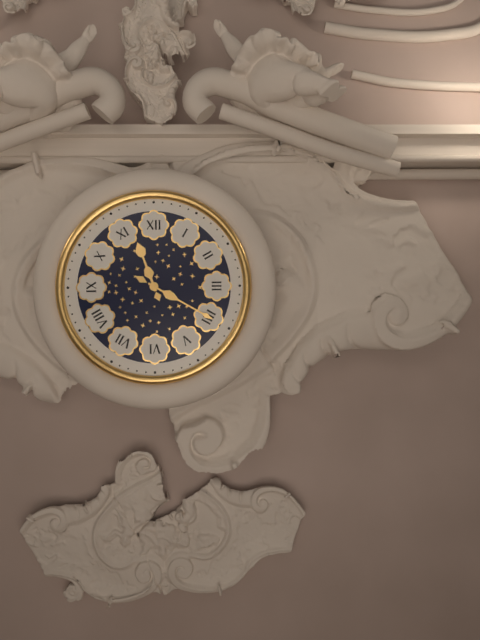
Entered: 11.20
